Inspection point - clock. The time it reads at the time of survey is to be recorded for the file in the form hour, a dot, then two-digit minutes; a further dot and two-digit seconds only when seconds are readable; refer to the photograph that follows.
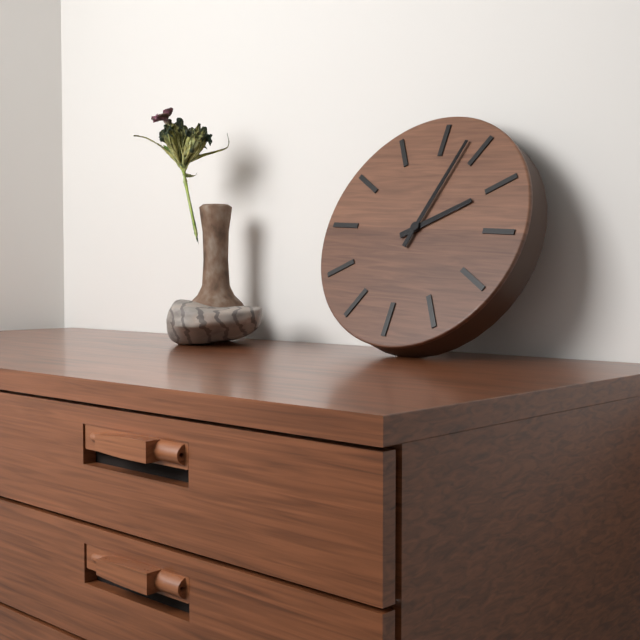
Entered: 2.03
